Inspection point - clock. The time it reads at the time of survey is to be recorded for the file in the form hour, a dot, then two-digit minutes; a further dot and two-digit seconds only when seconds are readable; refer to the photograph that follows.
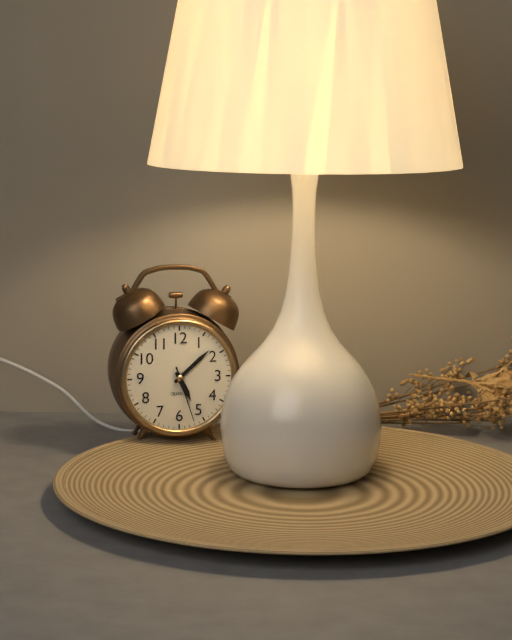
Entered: 5.08.27
